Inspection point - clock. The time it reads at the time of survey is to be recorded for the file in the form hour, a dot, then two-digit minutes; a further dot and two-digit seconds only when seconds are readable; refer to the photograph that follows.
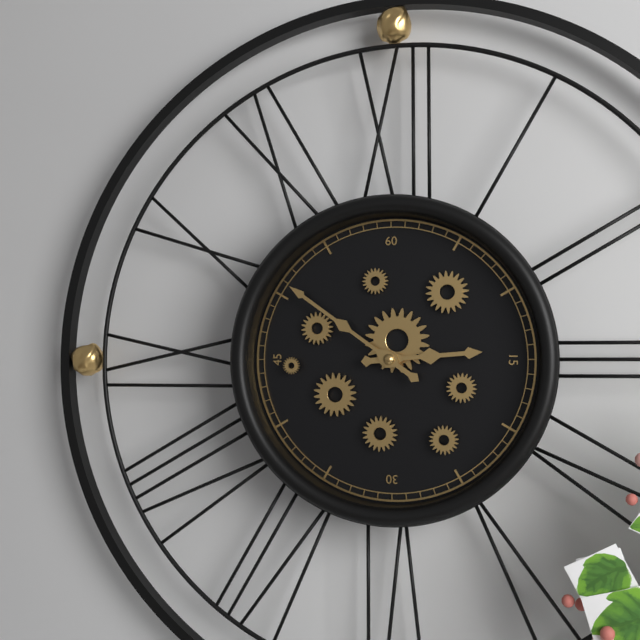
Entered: 2.51
